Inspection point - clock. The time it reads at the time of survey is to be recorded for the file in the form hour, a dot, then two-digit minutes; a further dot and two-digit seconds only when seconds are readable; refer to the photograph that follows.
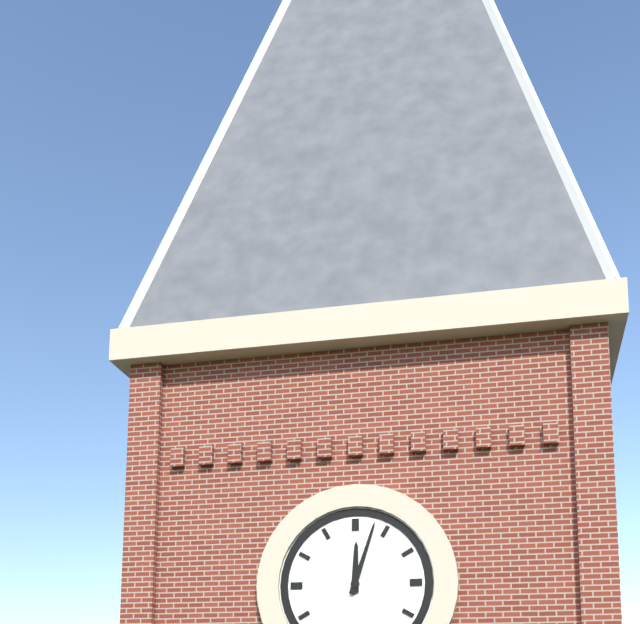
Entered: 12.03
